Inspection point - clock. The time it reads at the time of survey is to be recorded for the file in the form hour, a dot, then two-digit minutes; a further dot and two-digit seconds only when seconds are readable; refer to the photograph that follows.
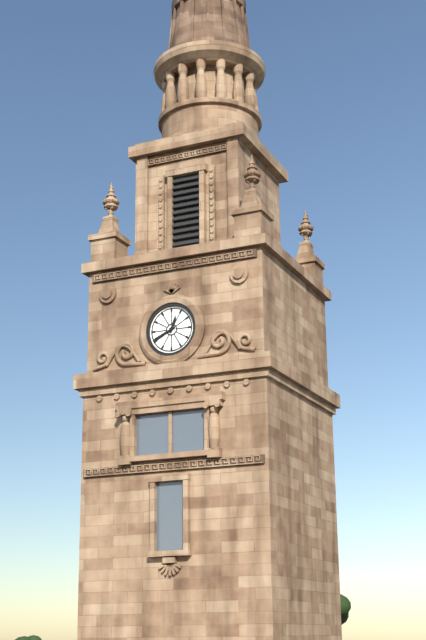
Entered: 12.41
